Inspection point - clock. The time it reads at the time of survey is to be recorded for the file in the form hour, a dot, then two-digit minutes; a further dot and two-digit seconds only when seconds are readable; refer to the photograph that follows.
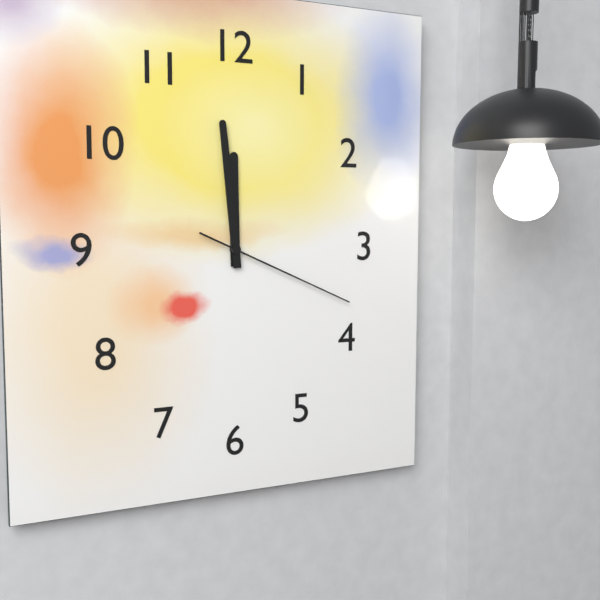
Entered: 11.59.19
